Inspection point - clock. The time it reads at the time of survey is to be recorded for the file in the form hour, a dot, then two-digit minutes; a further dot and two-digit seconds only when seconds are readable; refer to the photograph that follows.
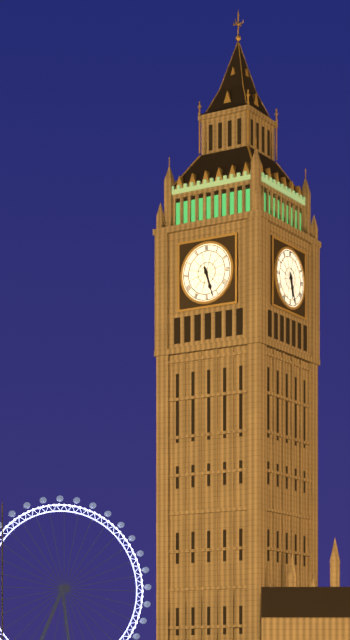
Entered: 5.27
